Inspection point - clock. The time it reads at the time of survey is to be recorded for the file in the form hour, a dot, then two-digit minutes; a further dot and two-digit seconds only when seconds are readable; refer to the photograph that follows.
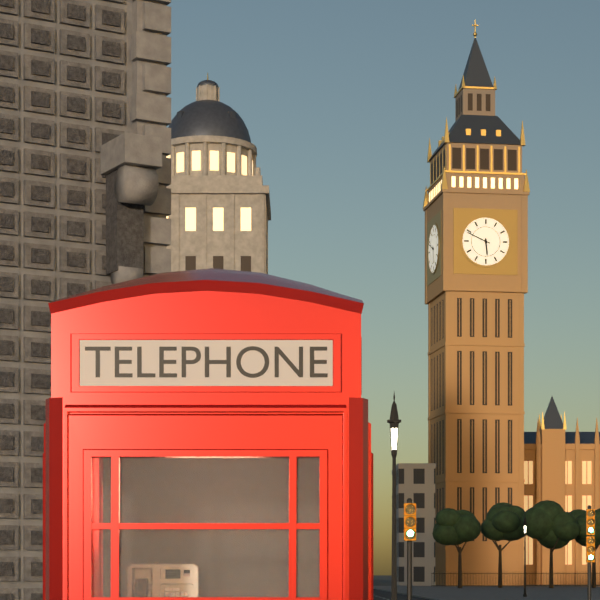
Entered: 5.49
